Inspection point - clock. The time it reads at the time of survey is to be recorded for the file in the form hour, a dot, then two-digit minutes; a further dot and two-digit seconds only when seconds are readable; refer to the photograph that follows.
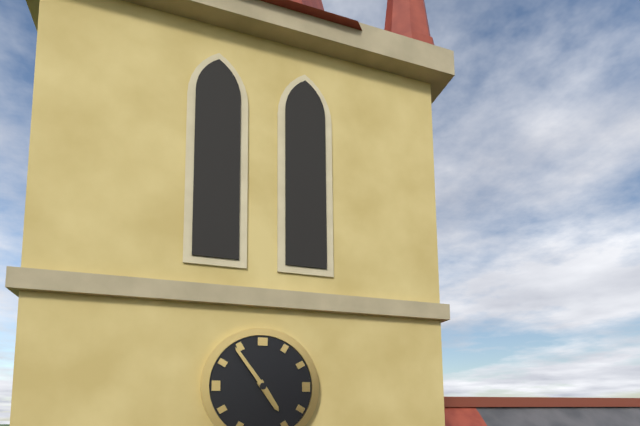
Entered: 4.54
